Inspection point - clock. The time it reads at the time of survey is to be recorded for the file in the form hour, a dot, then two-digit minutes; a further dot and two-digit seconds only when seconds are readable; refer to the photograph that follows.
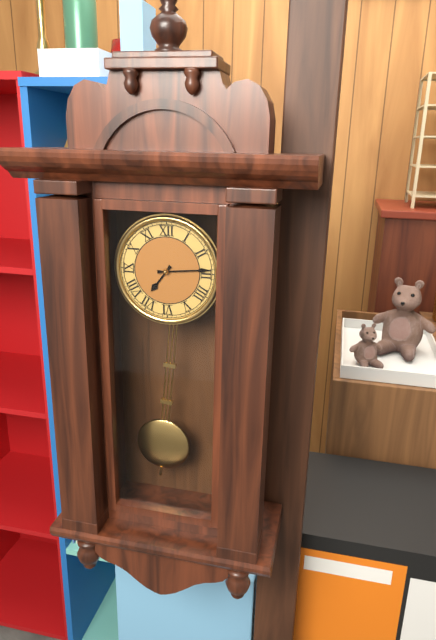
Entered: 7.14
